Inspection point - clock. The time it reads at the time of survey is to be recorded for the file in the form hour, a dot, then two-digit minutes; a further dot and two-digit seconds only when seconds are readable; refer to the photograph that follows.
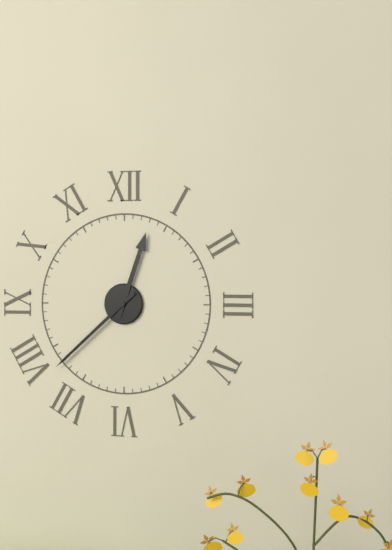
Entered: 12.38
